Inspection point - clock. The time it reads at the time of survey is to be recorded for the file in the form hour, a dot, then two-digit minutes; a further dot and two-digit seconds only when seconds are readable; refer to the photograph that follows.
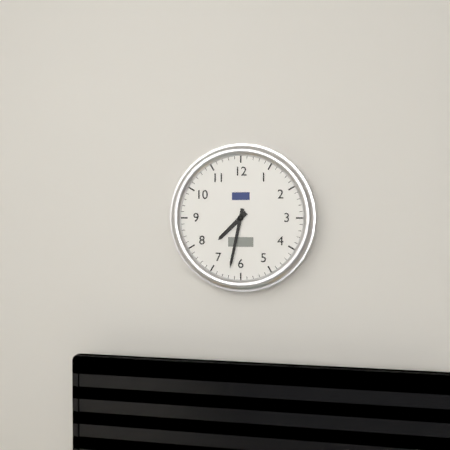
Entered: 7.32
